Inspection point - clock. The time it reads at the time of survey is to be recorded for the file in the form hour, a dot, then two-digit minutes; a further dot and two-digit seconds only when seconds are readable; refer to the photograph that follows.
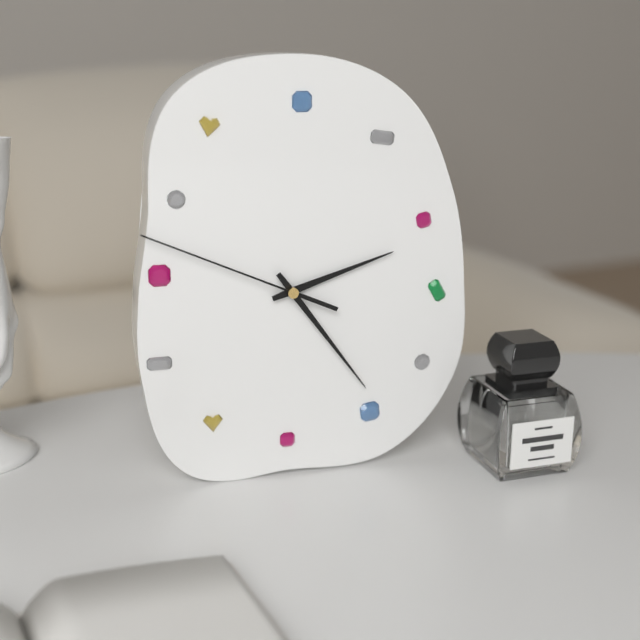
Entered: 2.24.49
